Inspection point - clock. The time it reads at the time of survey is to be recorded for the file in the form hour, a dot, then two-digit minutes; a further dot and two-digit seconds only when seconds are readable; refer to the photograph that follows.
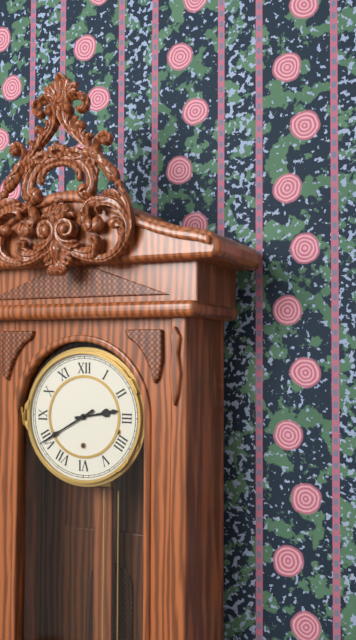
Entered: 2.40
